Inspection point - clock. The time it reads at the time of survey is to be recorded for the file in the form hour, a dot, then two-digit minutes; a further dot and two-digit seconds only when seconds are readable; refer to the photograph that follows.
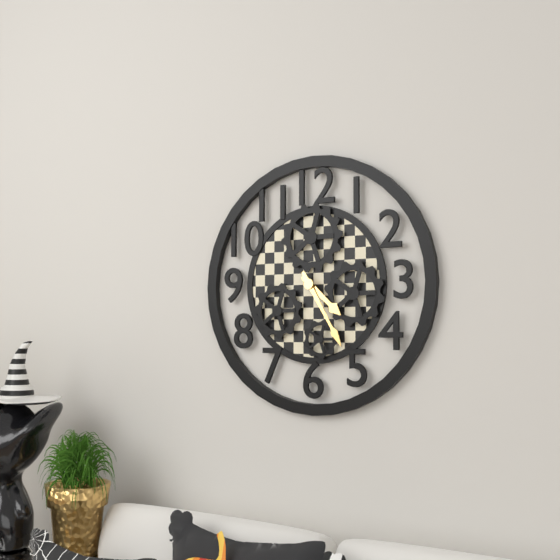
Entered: 4.25
